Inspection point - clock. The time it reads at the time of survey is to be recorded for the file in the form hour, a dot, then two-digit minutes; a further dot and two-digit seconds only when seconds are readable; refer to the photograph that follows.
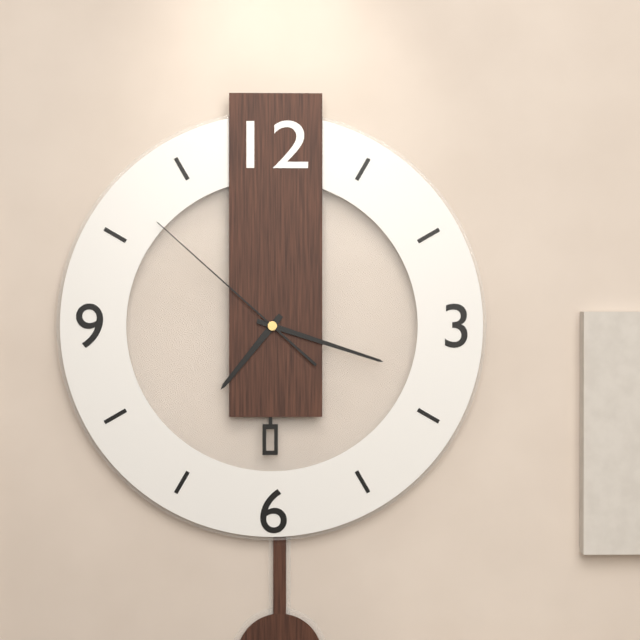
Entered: 7.18.52
